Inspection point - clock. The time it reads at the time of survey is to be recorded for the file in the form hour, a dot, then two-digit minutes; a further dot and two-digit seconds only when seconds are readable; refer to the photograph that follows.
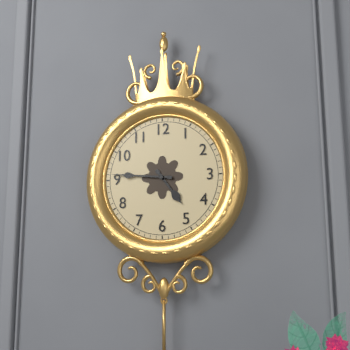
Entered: 4.46
